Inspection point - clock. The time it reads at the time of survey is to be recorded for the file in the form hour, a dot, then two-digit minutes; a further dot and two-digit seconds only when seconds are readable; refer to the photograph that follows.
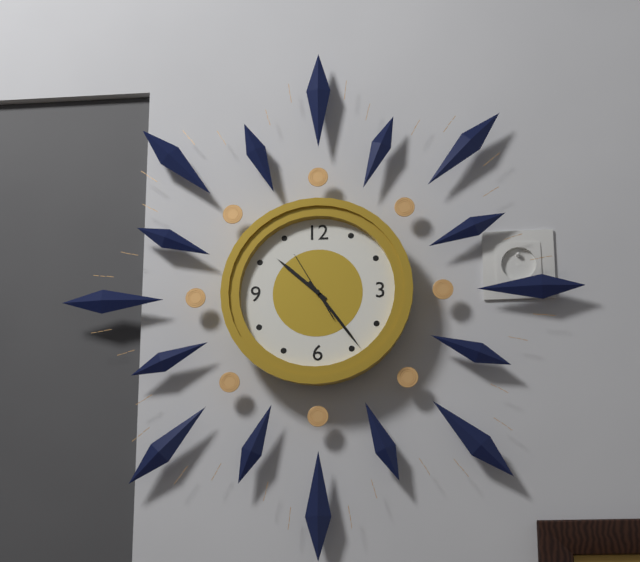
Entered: 10.24.55
